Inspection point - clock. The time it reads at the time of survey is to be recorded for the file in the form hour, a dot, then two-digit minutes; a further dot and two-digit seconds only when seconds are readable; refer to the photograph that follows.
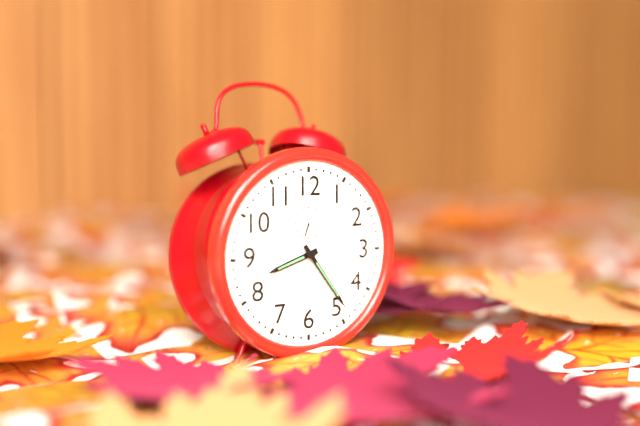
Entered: 8.24
